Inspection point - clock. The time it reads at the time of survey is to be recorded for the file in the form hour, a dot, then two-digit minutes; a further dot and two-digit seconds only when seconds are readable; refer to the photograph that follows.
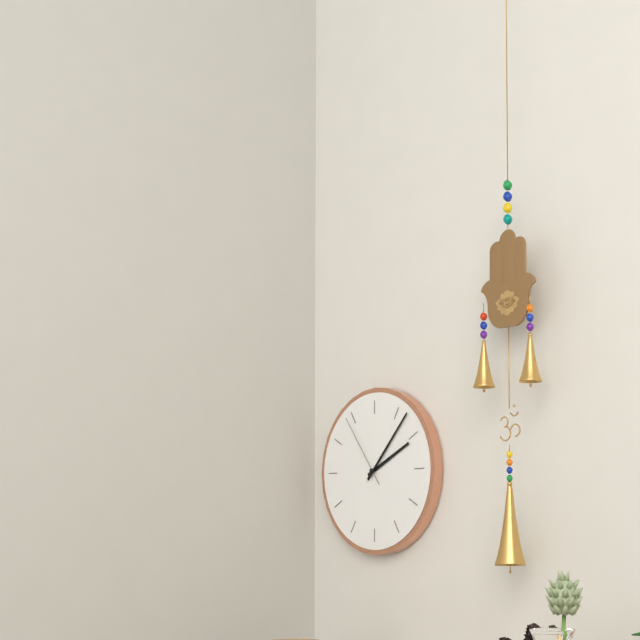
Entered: 2.07.54
